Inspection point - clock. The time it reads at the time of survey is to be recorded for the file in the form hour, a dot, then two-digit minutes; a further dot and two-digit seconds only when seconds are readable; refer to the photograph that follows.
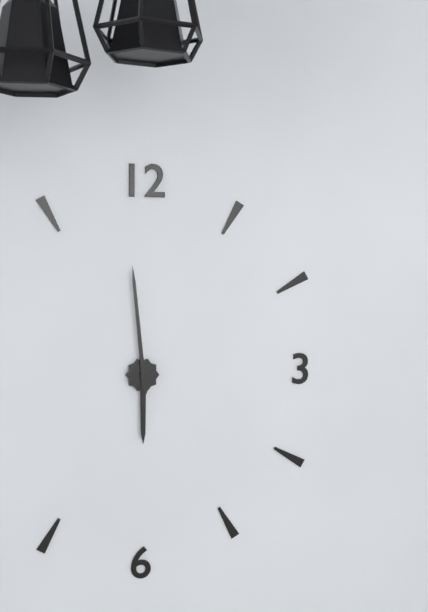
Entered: 5.59
